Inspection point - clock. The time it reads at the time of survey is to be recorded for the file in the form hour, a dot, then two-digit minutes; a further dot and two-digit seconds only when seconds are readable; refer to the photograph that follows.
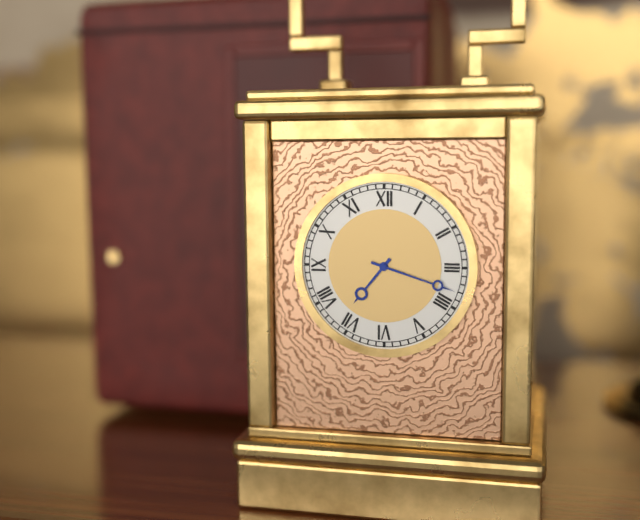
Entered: 7.18
